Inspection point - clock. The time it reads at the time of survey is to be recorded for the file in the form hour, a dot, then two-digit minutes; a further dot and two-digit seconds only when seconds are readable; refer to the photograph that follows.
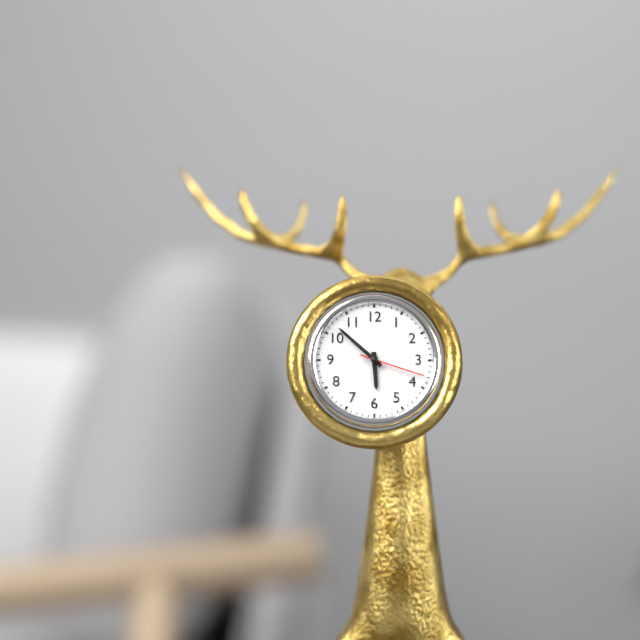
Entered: 5.52.18
